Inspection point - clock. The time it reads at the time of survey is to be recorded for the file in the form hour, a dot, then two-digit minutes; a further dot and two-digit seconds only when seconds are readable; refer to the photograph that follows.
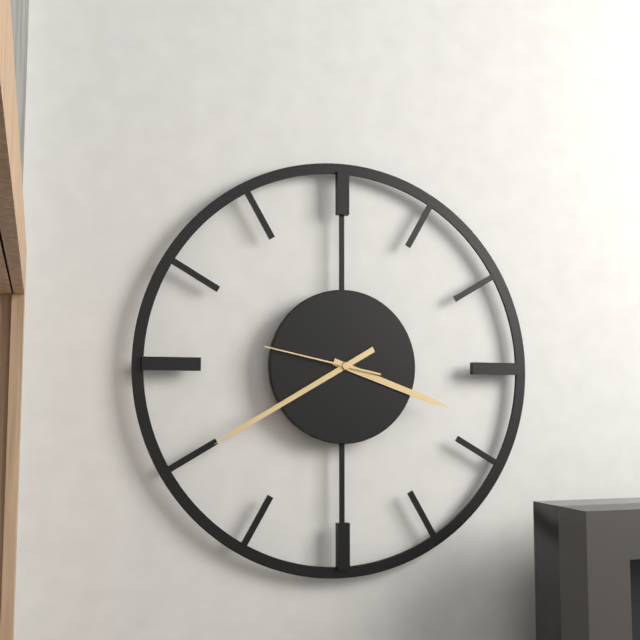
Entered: 3.40.47
